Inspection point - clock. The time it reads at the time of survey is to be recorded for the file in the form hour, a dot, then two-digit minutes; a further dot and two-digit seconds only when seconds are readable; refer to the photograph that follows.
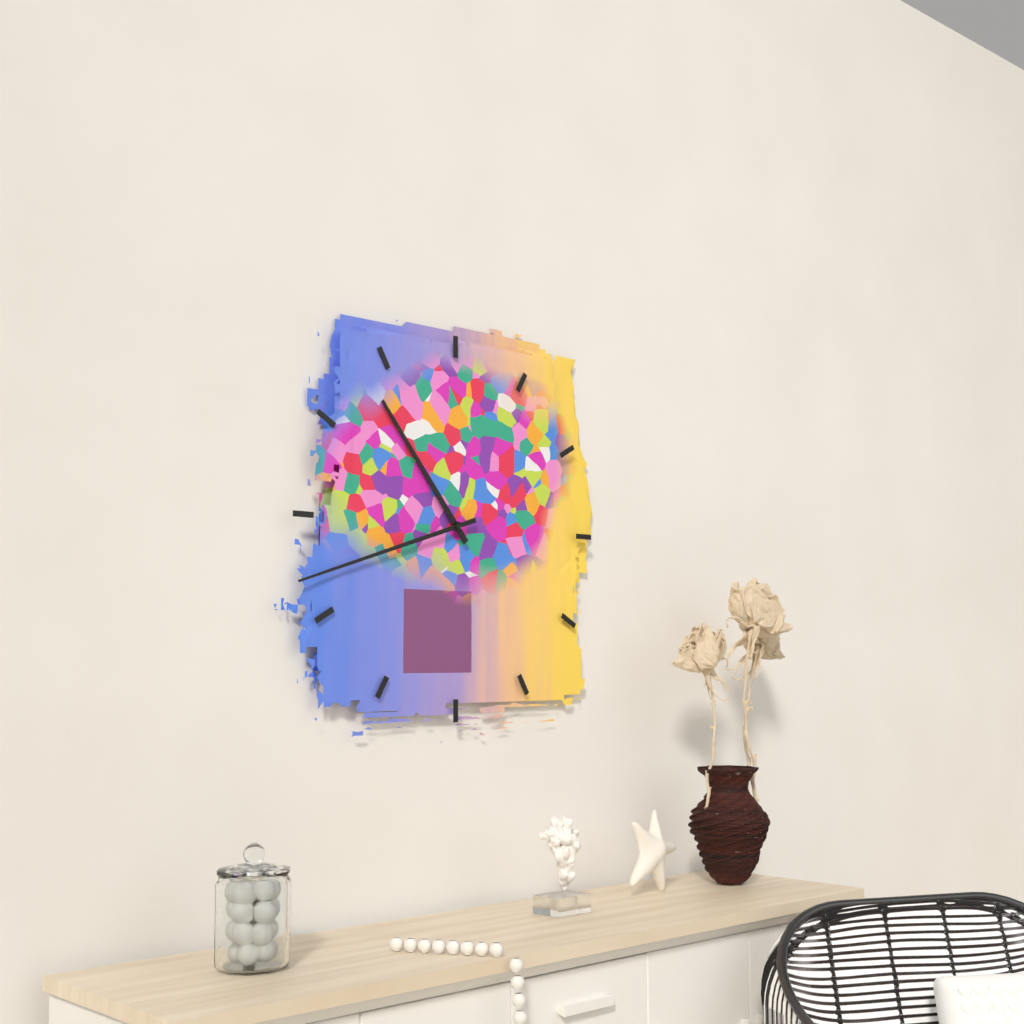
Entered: 10.42
